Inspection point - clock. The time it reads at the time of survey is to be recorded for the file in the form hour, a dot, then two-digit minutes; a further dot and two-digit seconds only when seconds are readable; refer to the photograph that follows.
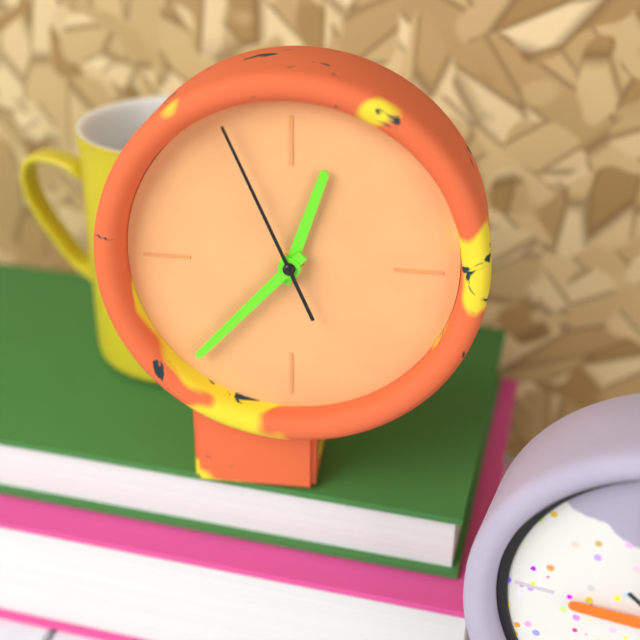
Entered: 12.37.56
